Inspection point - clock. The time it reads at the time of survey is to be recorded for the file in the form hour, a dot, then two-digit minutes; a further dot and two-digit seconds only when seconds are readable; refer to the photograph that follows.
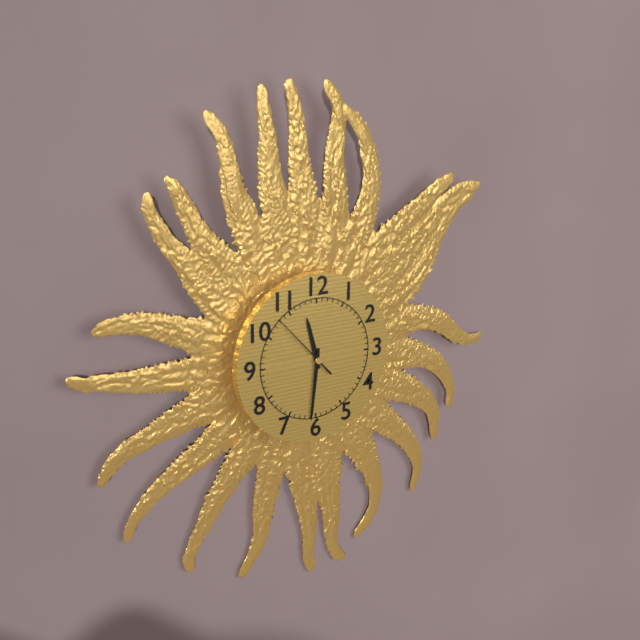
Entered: 11.31
